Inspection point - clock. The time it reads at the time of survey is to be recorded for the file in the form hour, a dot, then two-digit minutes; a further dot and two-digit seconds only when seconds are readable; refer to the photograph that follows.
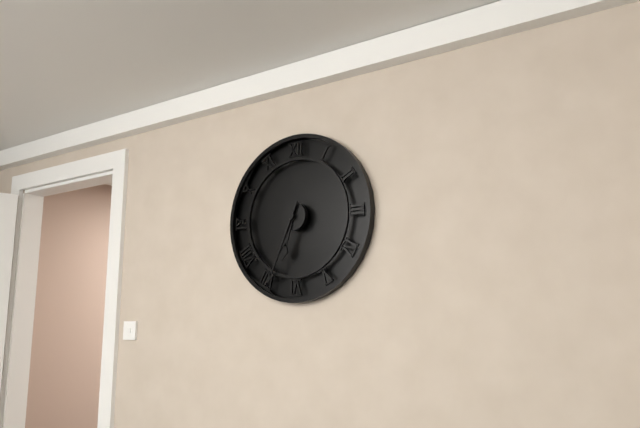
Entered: 6.34
